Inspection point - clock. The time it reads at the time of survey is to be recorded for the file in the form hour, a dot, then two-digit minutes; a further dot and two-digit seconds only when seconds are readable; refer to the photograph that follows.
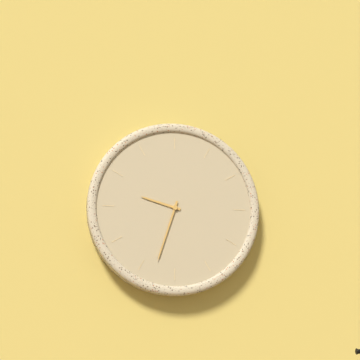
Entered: 9.33
